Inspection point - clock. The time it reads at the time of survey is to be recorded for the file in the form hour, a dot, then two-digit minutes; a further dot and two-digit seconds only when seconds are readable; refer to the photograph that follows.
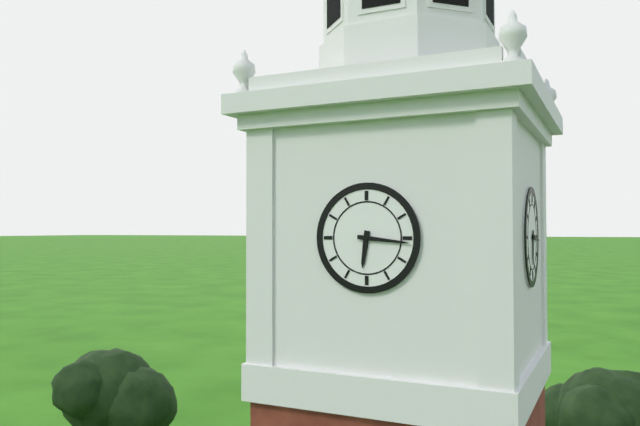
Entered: 6.16
